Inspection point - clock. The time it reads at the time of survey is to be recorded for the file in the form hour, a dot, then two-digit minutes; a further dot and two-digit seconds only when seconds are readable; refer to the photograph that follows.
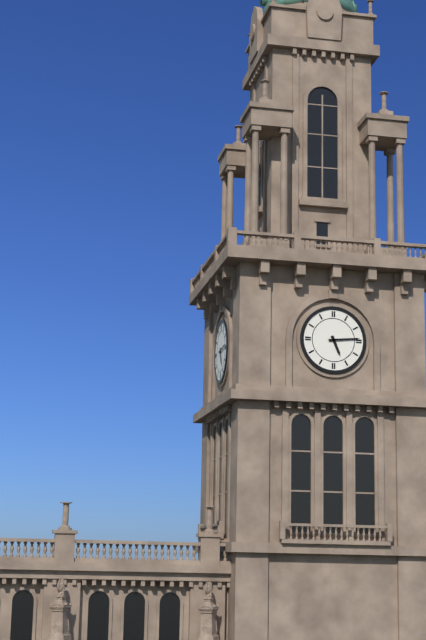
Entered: 5.14
